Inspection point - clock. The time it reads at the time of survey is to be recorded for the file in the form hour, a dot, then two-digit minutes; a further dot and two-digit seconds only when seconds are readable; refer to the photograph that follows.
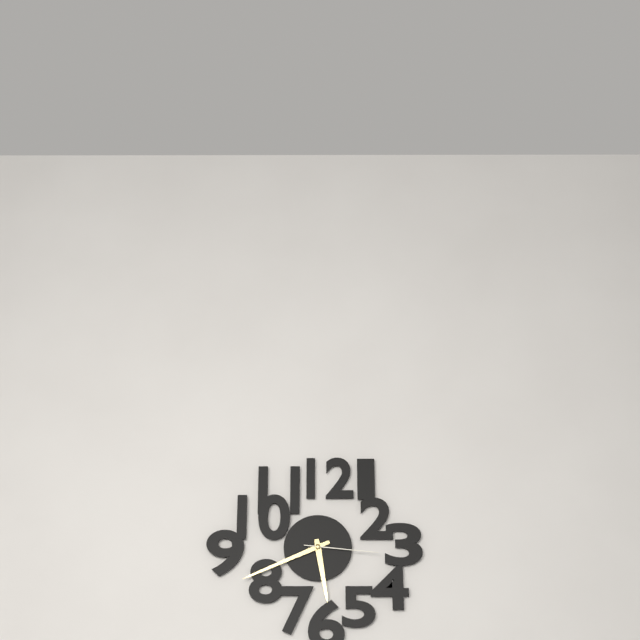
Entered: 5.41.16
